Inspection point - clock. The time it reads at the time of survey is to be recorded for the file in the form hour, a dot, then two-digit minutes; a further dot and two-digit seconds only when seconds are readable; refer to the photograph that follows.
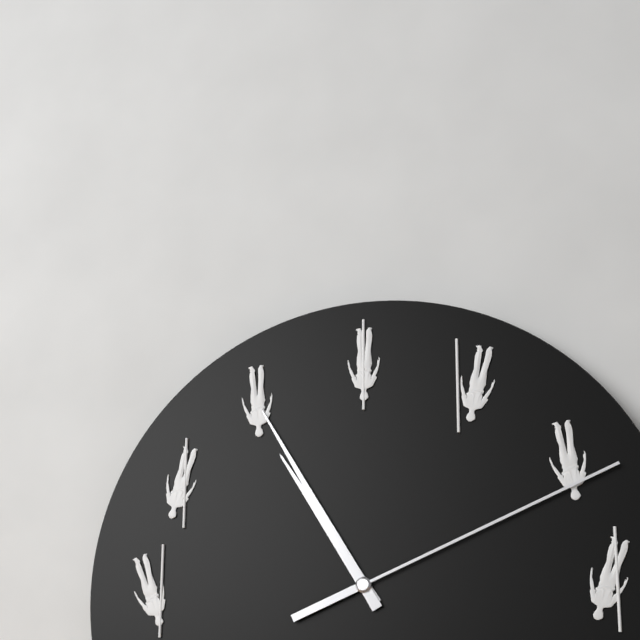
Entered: 10.55.11
